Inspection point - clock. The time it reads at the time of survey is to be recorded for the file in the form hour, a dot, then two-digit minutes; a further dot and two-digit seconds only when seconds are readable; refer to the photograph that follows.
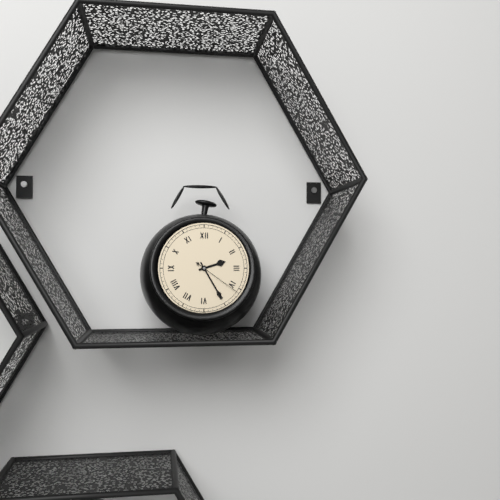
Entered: 2.25
